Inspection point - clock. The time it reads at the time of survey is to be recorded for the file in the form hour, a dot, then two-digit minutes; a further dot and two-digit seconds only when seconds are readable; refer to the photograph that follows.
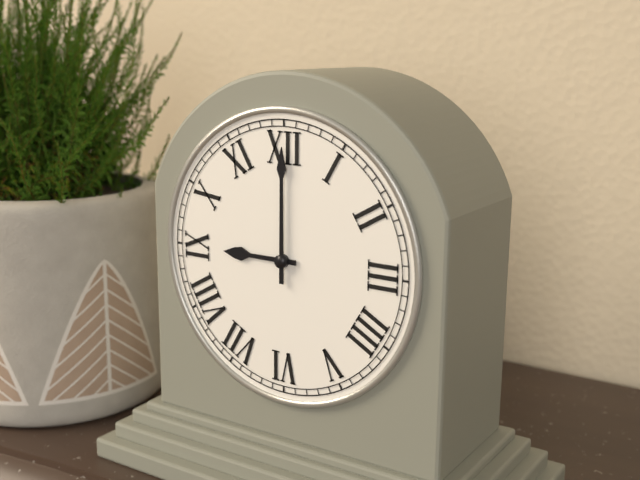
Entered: 9.00
